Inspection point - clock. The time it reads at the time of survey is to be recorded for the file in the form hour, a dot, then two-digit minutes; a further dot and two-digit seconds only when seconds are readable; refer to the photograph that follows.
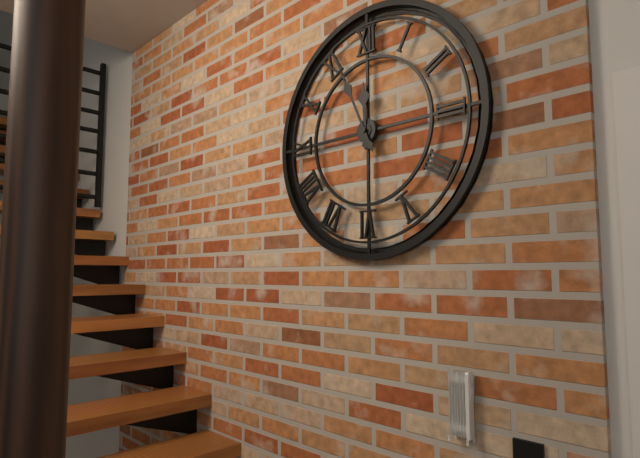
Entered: 11.56
